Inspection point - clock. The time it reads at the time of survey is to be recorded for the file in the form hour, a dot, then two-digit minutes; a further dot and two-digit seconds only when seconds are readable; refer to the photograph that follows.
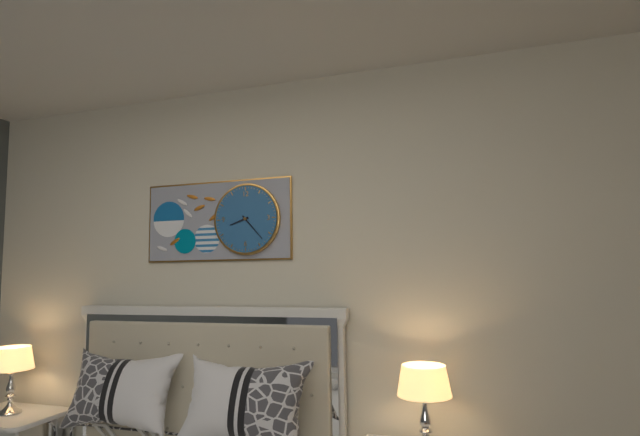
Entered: 8.23
